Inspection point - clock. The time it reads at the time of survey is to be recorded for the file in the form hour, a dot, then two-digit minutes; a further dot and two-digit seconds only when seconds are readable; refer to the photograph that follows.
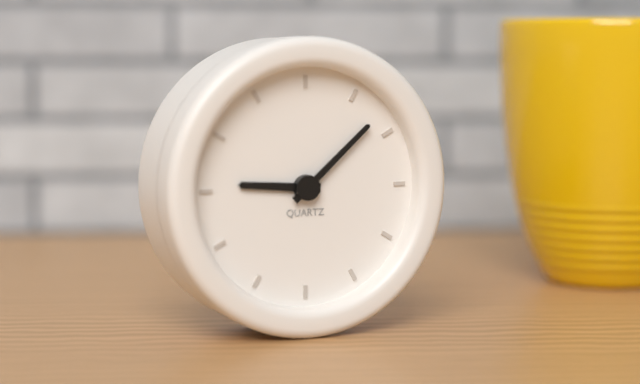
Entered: 9.08
